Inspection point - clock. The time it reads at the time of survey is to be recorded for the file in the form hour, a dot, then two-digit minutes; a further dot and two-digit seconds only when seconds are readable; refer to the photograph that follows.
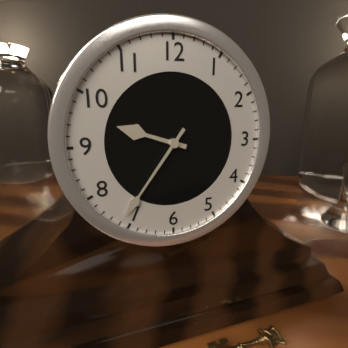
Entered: 9.36
